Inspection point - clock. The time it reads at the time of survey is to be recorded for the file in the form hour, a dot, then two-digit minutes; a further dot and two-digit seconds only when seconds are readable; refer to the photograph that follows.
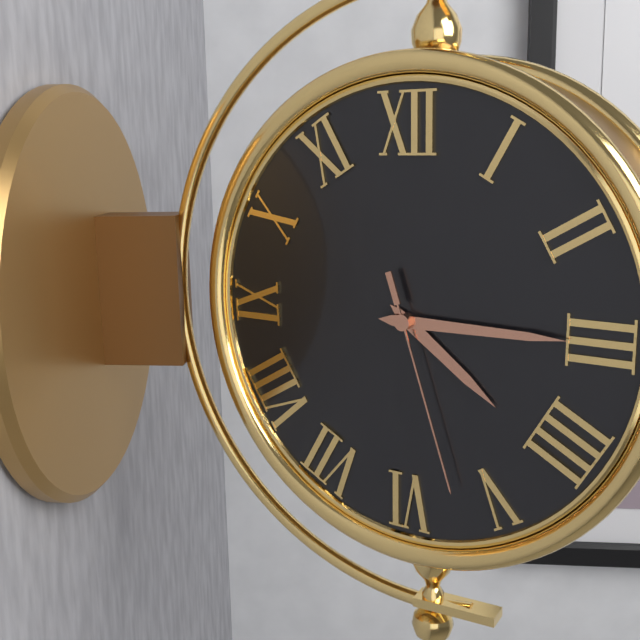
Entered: 4.15.27
